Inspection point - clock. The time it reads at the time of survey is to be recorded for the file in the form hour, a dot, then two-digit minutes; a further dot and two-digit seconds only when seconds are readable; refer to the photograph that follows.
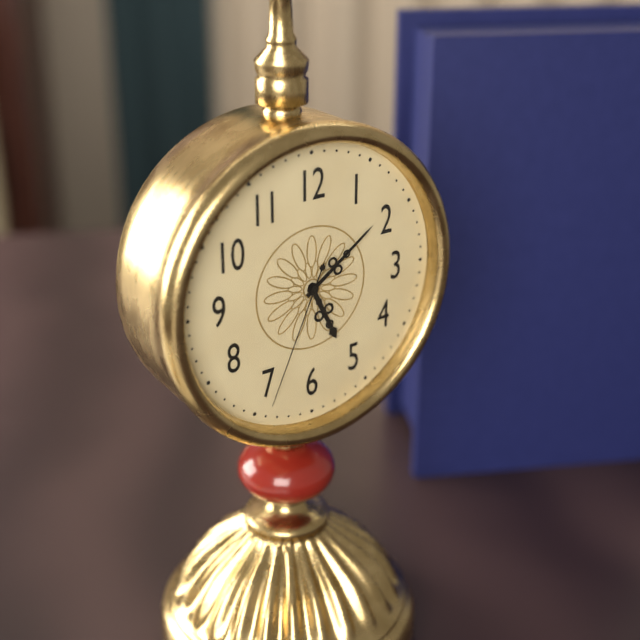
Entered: 5.09.34
